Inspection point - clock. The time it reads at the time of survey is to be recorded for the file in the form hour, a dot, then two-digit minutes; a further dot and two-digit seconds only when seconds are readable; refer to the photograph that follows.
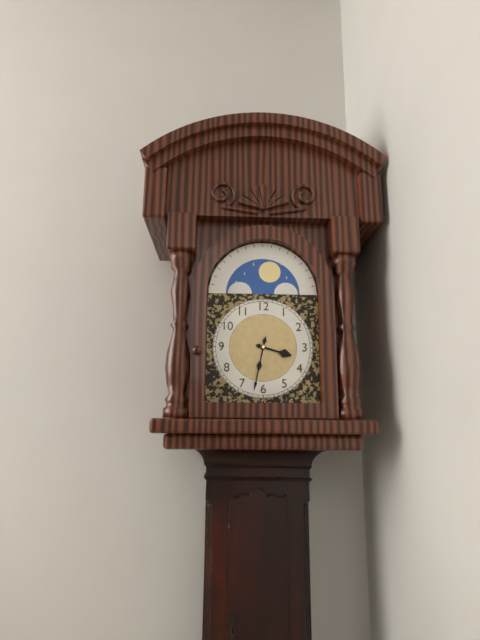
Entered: 3.32
